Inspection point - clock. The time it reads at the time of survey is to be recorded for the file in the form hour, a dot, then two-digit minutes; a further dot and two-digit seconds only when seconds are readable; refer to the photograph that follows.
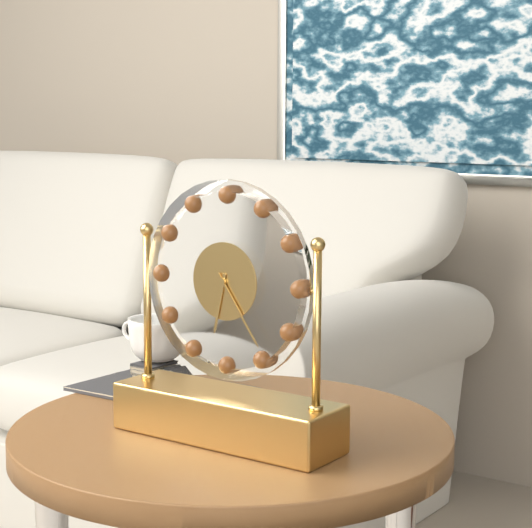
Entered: 6.24
